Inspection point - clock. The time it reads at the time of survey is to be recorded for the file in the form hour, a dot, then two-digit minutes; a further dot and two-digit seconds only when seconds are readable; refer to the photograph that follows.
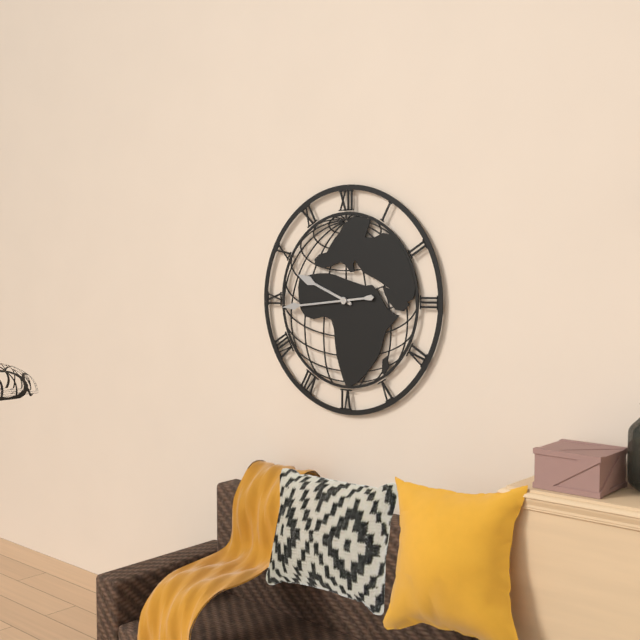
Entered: 9.44
